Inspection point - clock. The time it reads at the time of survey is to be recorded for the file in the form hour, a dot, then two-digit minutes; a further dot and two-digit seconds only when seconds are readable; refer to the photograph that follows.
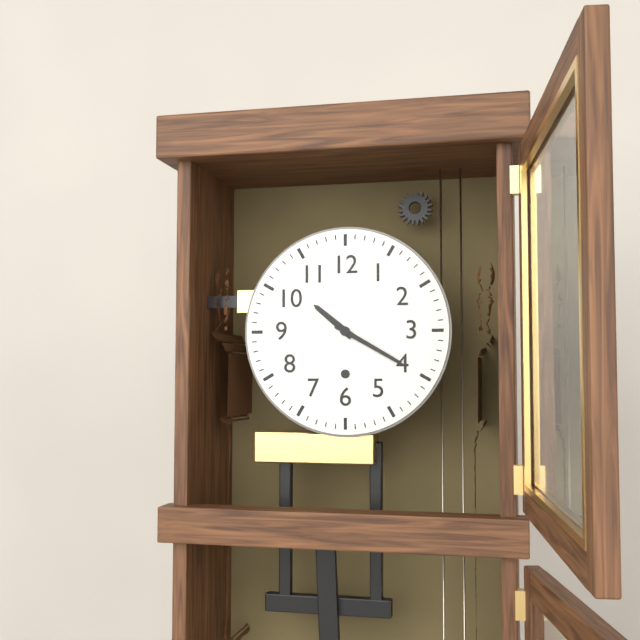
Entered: 10.20
